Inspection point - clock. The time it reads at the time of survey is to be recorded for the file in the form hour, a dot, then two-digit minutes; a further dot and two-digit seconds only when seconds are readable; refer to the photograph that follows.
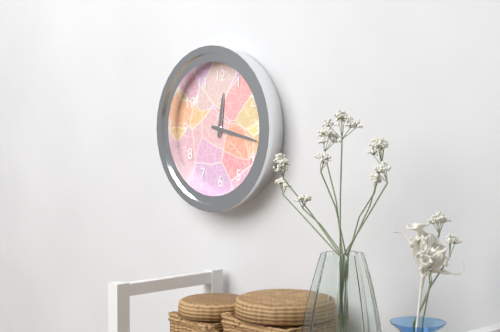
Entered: 12.17
